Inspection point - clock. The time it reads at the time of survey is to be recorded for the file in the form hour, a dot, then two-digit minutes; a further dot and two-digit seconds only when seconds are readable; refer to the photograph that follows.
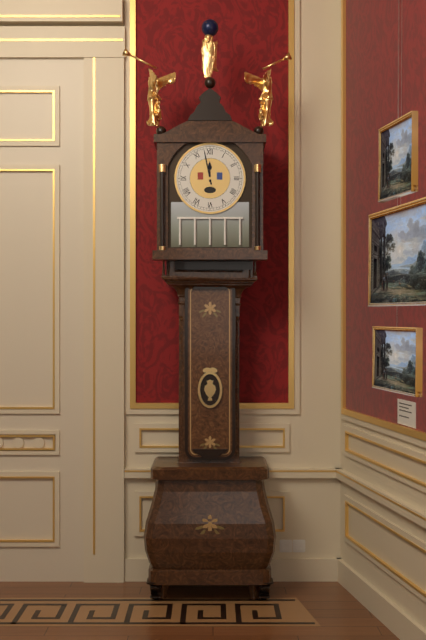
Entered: 11.58
